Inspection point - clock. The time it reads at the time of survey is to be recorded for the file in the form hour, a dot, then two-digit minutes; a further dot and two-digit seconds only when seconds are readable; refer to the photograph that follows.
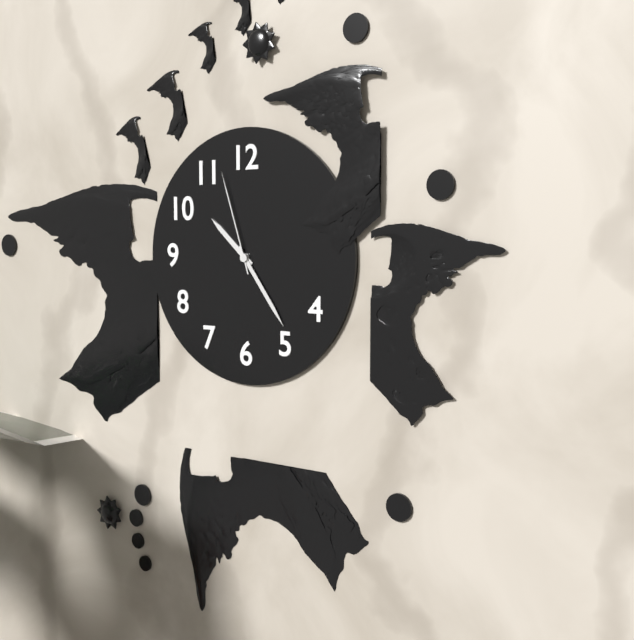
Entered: 10.24.57
